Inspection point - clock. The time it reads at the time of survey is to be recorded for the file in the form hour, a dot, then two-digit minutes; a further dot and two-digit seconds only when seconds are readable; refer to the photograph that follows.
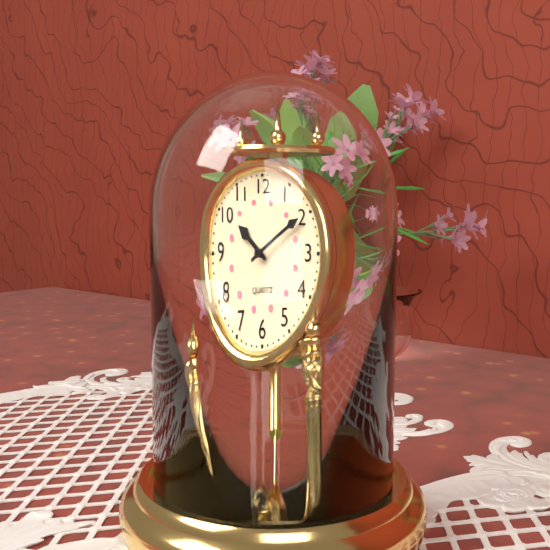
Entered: 10.10
